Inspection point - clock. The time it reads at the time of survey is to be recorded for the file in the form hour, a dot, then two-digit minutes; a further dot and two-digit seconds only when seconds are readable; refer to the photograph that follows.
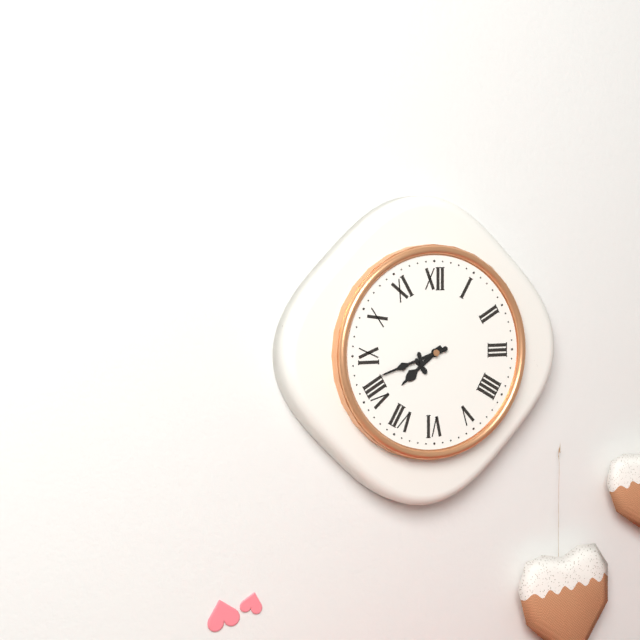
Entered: 7.42
